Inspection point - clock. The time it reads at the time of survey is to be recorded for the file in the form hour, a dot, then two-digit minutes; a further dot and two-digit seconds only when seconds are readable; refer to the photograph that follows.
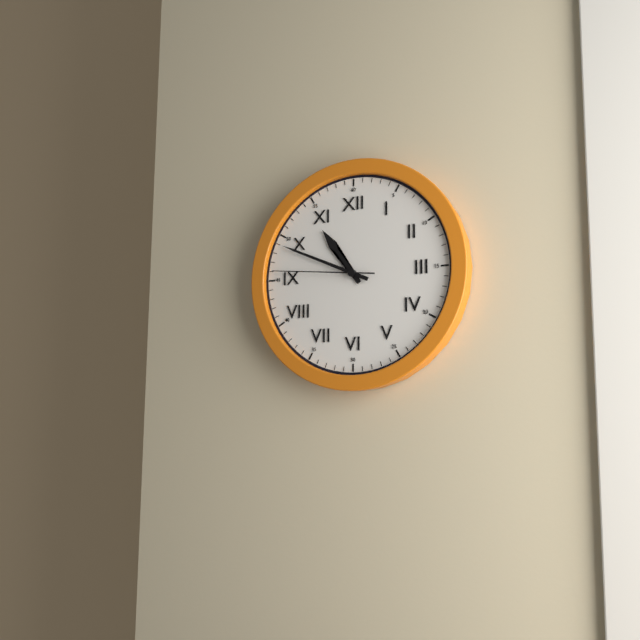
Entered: 10.49.46
